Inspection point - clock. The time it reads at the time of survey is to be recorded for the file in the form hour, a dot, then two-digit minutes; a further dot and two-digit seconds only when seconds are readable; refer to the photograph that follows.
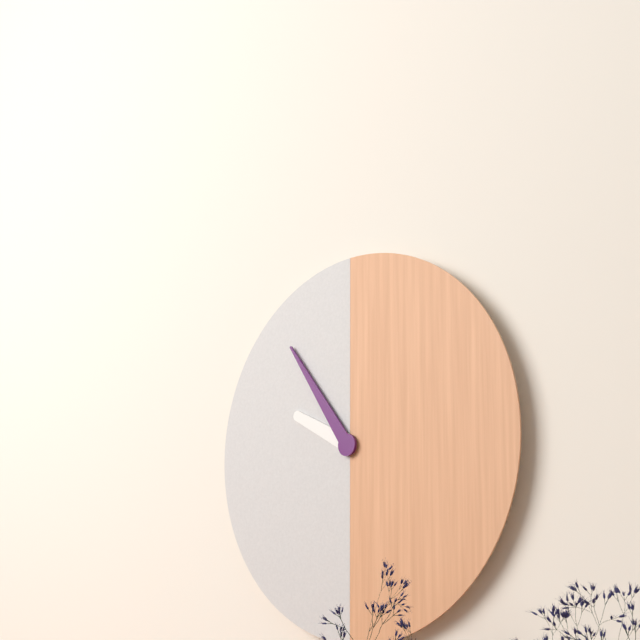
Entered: 9.54
